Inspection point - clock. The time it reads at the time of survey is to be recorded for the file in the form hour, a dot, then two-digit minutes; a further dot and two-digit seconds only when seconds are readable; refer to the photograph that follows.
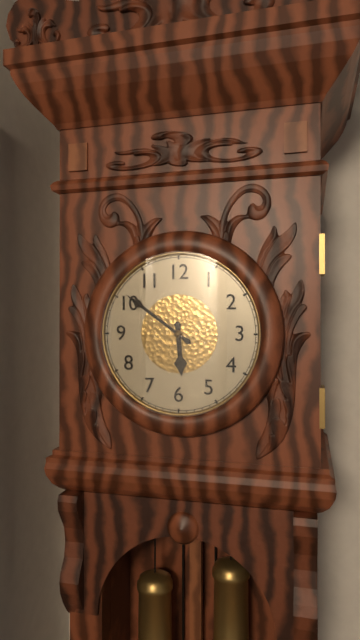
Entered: 5.51
